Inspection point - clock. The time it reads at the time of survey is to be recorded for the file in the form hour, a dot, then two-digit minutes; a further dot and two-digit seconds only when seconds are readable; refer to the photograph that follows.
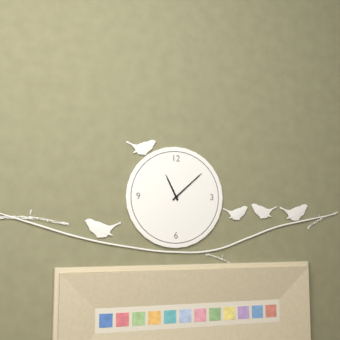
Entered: 11.08
